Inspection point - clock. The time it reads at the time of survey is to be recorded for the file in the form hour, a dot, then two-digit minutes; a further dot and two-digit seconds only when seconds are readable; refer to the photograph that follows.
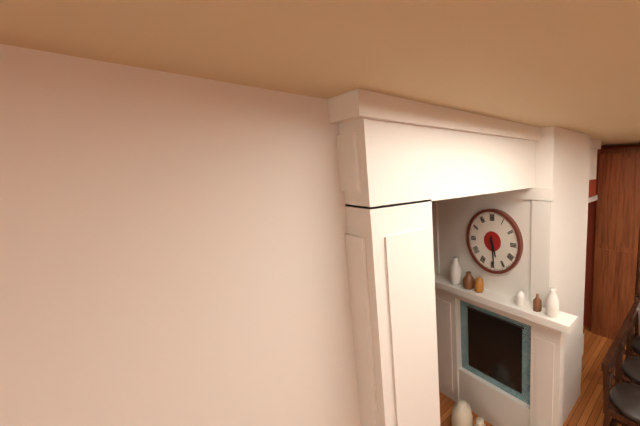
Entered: 5.29
